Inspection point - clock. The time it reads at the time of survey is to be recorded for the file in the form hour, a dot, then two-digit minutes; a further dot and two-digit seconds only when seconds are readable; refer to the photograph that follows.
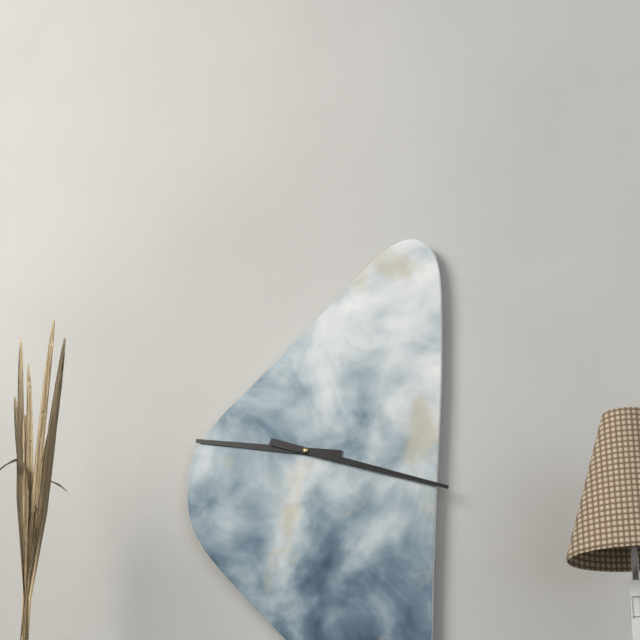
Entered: 9.18
